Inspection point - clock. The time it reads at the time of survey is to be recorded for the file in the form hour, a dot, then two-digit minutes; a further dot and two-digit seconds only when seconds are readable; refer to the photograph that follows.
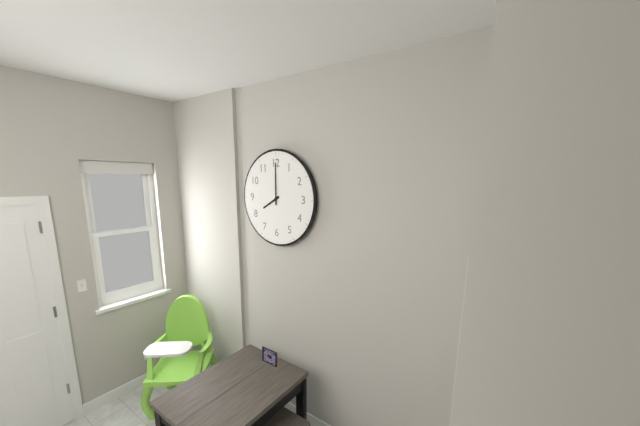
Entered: 8.00
